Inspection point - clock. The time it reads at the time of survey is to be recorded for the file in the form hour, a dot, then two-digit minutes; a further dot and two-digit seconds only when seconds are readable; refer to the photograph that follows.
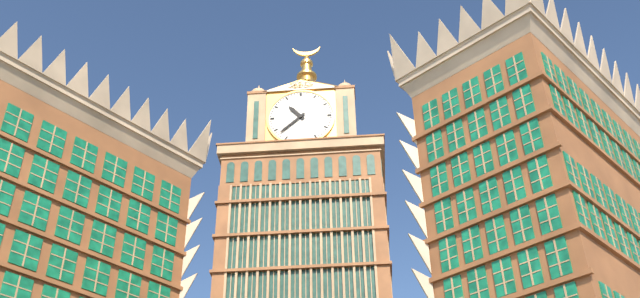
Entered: 10.38
